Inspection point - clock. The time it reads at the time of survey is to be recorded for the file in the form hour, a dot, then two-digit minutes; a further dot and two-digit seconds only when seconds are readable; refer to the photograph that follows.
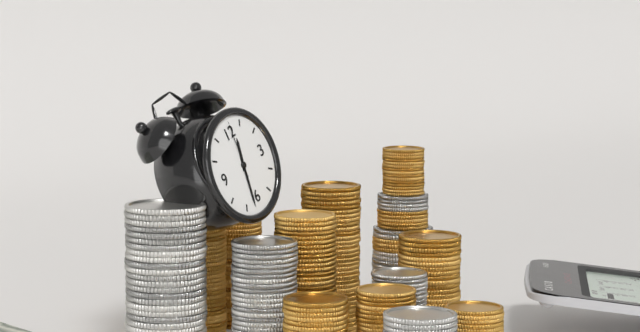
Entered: 12.32.01
